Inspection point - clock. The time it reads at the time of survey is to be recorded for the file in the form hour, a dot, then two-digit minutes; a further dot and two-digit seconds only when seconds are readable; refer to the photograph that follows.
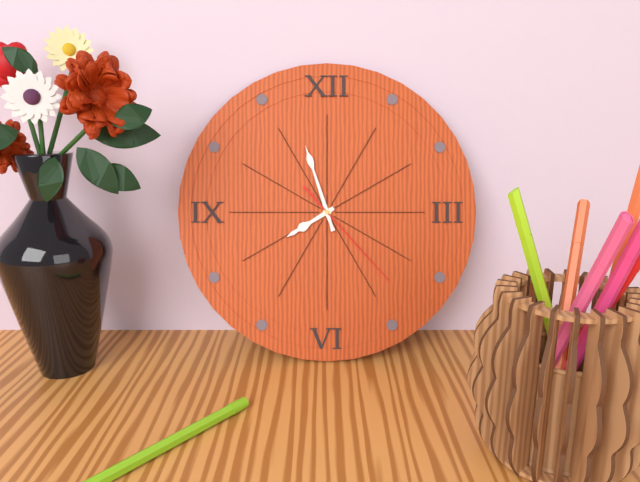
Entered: 7.57.23
